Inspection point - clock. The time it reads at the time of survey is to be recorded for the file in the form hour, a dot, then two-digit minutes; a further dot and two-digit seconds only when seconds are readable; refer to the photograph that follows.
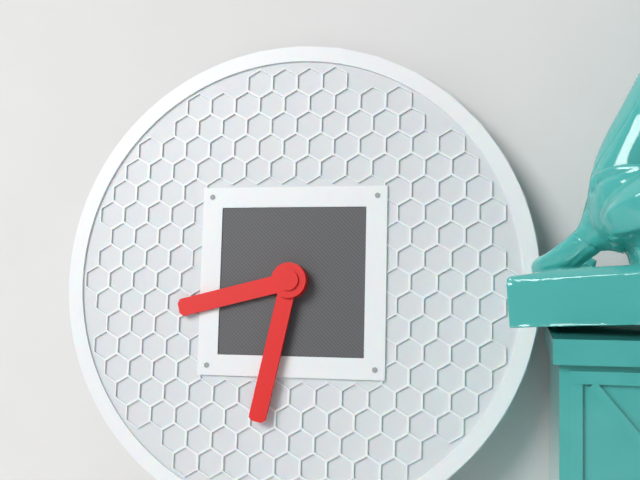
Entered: 8.32
